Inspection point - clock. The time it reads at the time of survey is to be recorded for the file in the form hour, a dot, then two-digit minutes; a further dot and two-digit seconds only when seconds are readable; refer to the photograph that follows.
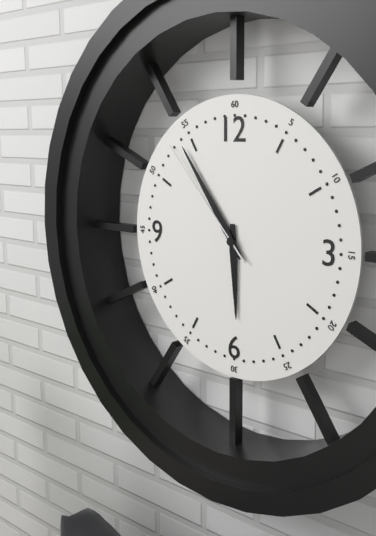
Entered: 5.54.53
